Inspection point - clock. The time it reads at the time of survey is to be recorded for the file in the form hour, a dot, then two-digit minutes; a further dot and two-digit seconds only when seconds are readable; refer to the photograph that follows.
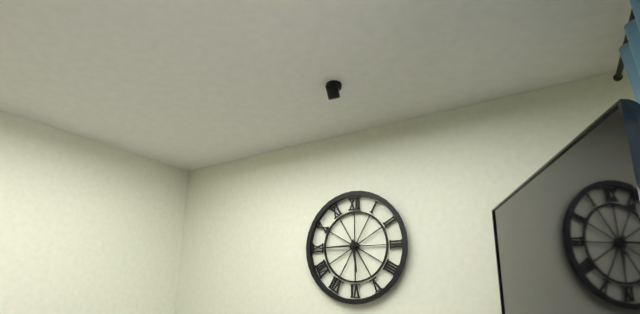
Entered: 5.45
